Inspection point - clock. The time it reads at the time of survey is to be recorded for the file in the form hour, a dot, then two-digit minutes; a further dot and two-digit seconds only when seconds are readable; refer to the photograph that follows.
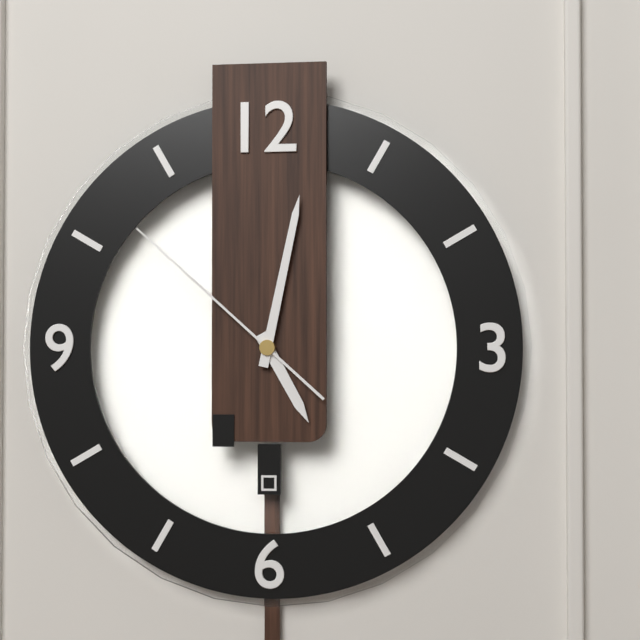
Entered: 5.02.52
